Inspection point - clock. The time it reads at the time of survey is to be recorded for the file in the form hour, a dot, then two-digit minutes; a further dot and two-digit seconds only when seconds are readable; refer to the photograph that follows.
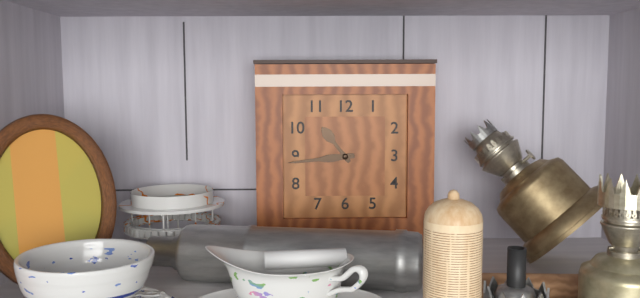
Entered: 10.44
